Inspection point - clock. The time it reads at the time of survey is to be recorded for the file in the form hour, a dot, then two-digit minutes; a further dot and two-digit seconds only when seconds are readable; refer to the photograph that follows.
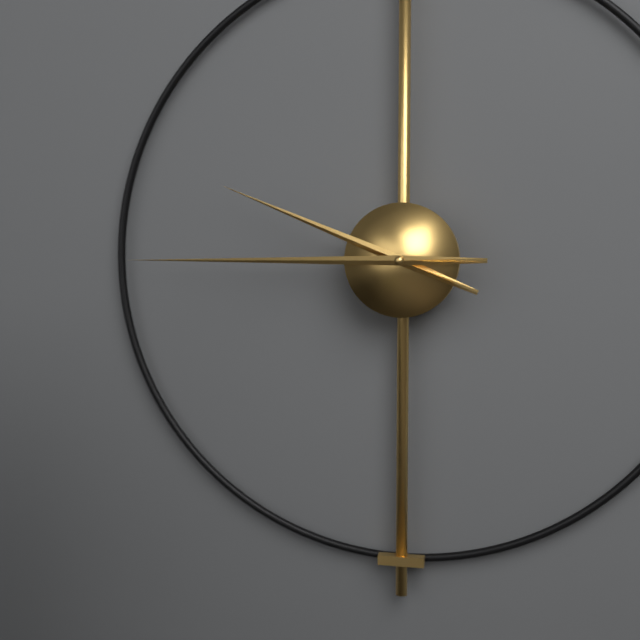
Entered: 9.45
